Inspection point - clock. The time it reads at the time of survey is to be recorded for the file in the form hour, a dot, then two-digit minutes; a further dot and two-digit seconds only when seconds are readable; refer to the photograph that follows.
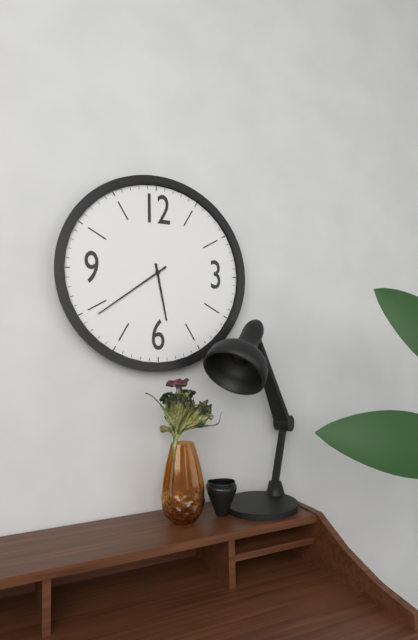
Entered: 5.39
